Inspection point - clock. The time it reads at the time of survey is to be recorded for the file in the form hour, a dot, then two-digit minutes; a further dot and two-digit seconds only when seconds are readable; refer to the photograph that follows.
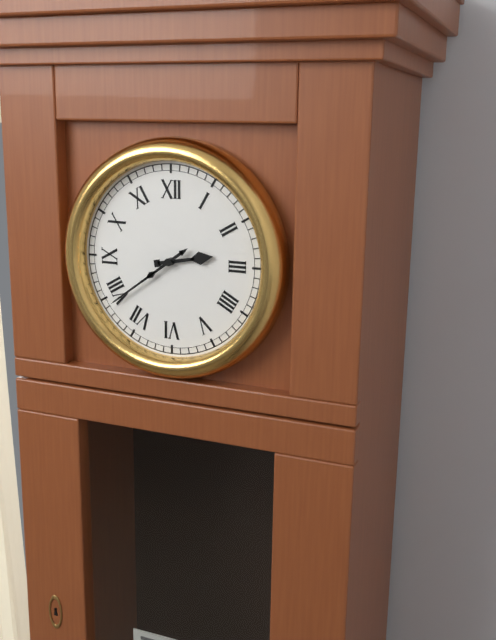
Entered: 2.39
